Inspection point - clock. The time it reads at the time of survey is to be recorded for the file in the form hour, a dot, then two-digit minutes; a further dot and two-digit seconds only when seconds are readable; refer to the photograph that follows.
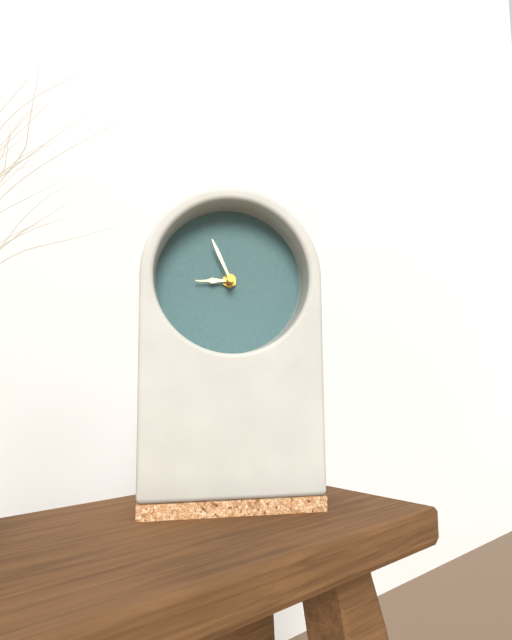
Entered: 8.56
